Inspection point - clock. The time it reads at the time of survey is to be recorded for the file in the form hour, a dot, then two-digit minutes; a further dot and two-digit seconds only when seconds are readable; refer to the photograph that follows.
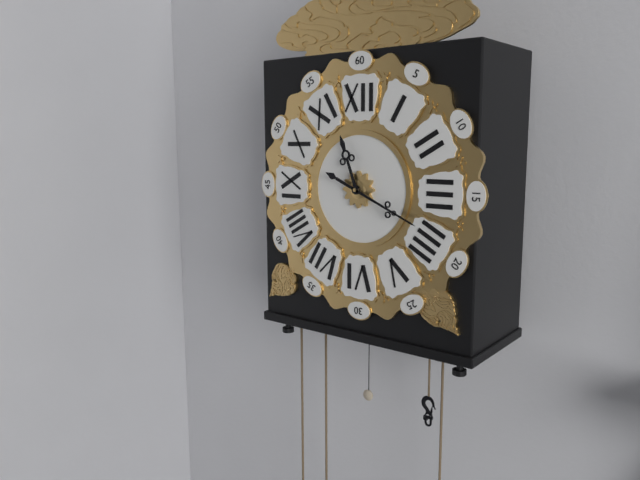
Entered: 11.19
